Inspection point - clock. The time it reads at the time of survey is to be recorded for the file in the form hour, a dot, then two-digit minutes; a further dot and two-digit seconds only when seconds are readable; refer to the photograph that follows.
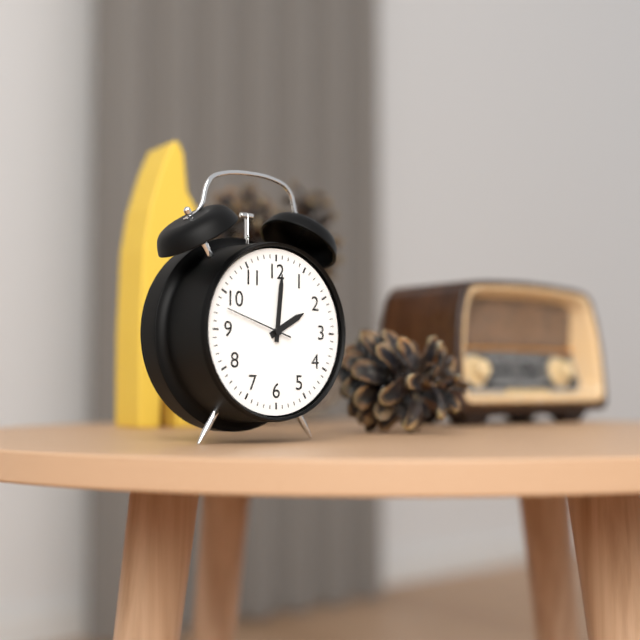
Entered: 2.01.48
